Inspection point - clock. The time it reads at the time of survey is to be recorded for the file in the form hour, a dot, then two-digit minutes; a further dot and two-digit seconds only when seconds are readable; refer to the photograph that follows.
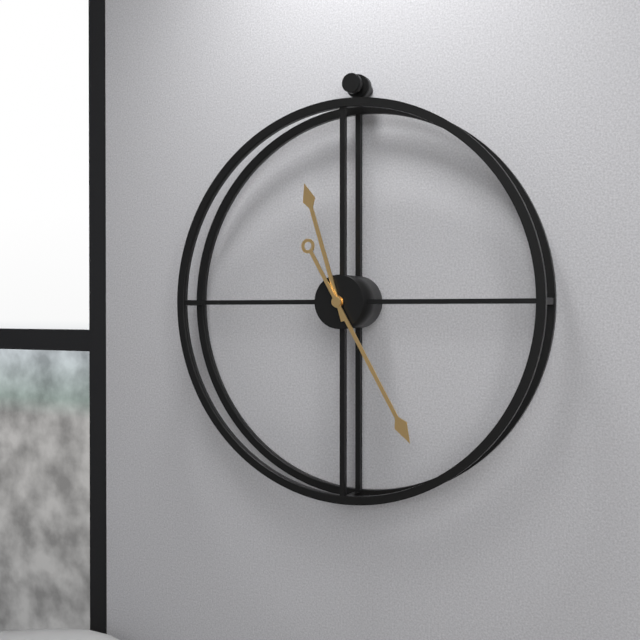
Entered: 11.25
